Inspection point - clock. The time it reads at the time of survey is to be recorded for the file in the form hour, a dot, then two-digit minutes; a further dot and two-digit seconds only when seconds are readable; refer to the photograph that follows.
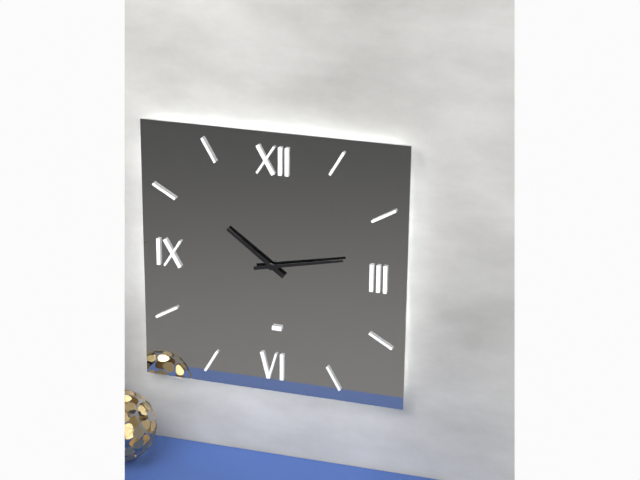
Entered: 10.13
